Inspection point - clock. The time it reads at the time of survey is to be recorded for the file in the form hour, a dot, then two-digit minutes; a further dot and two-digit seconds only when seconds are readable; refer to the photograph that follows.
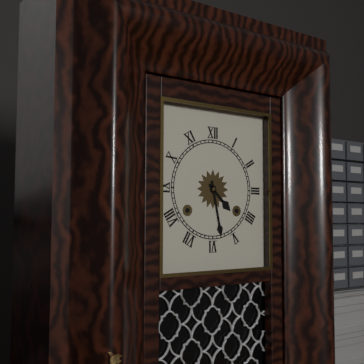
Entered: 4.28
